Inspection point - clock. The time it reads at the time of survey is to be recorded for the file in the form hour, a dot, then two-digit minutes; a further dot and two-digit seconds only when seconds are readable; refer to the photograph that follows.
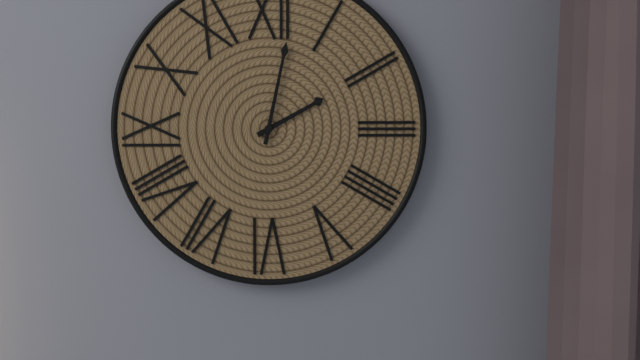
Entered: 2.02
